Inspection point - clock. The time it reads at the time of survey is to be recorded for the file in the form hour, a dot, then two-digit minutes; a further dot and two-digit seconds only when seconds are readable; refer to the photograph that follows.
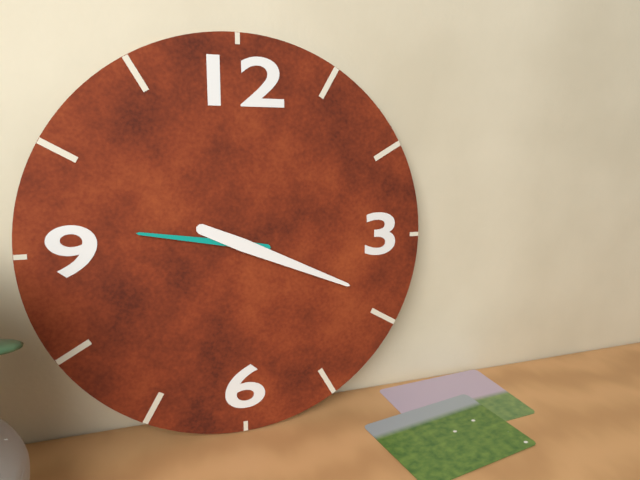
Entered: 9.19
